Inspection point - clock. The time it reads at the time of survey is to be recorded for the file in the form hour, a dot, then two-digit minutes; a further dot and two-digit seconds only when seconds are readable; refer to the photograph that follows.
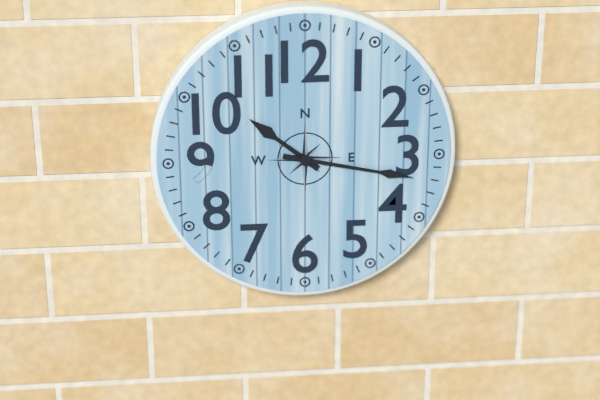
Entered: 10.17
